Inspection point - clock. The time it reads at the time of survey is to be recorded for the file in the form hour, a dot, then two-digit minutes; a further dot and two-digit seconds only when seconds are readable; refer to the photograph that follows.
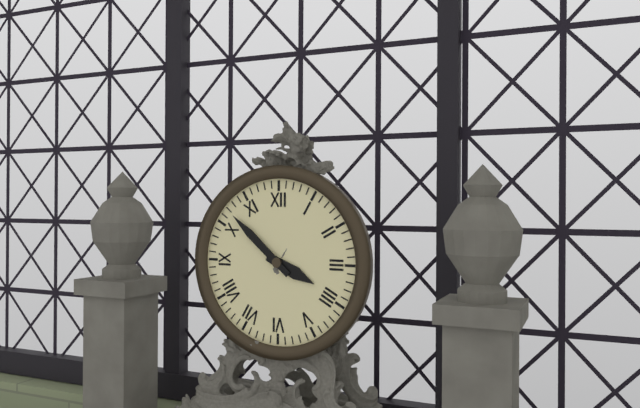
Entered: 3.52
